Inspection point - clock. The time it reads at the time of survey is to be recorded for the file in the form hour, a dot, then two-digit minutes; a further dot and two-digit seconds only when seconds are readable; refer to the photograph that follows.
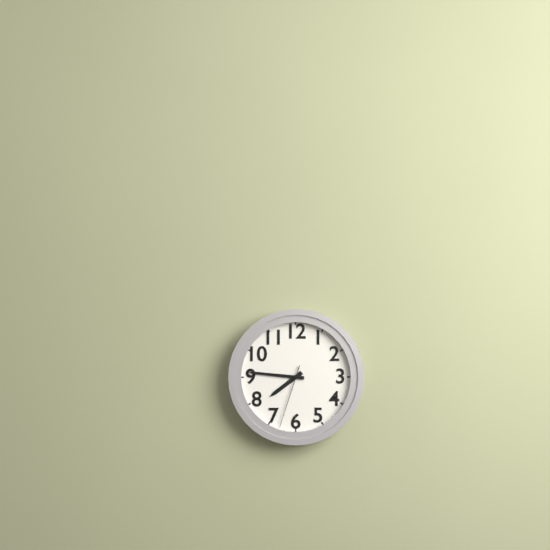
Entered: 7.46.33
